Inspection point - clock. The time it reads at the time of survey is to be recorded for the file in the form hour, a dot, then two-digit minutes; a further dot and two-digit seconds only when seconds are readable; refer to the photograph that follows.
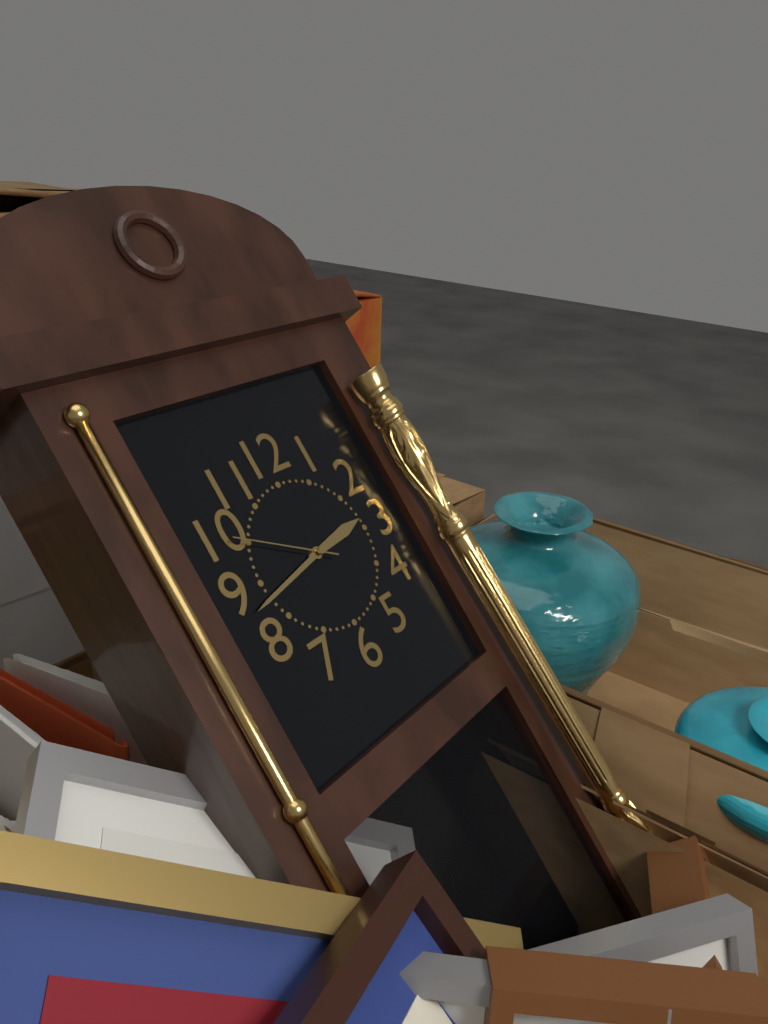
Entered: 2.43.50
